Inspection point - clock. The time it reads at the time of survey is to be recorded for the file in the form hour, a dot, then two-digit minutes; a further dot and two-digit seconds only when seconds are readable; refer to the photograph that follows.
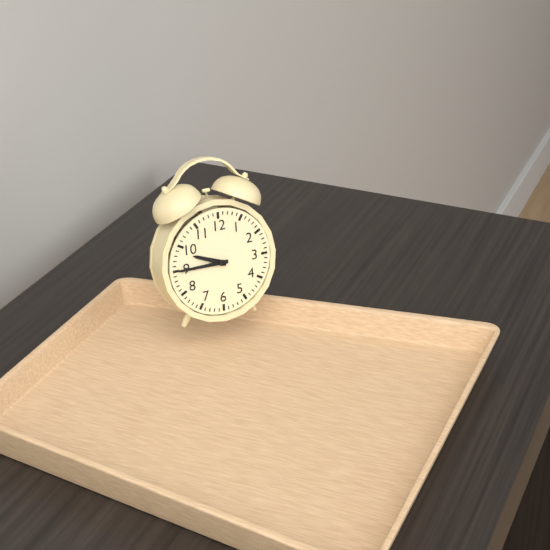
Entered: 9.45
